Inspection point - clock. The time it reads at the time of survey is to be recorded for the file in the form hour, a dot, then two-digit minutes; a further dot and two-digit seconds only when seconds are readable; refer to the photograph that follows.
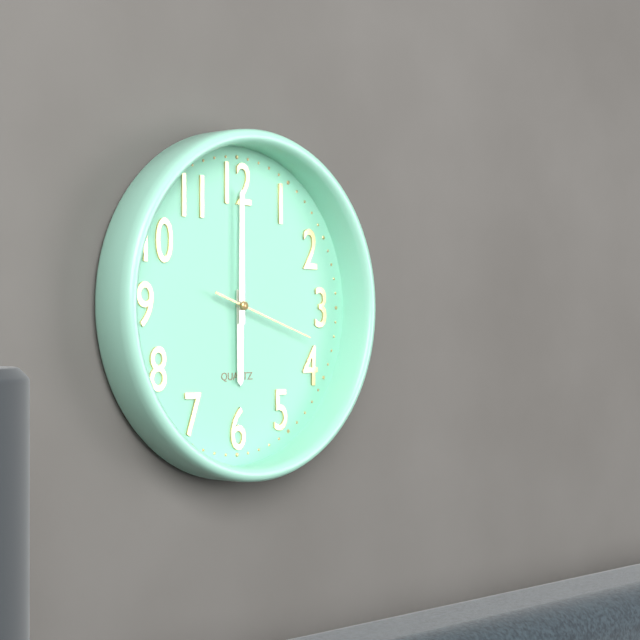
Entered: 6.00.18
